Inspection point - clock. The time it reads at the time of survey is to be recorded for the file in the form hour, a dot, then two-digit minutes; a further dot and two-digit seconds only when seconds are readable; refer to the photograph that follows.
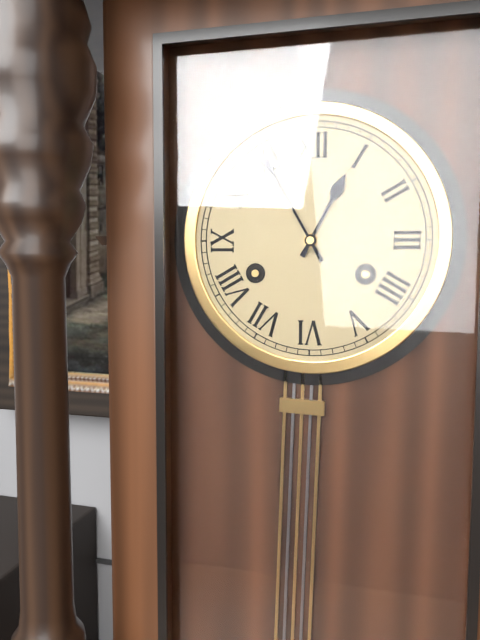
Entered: 12.55
